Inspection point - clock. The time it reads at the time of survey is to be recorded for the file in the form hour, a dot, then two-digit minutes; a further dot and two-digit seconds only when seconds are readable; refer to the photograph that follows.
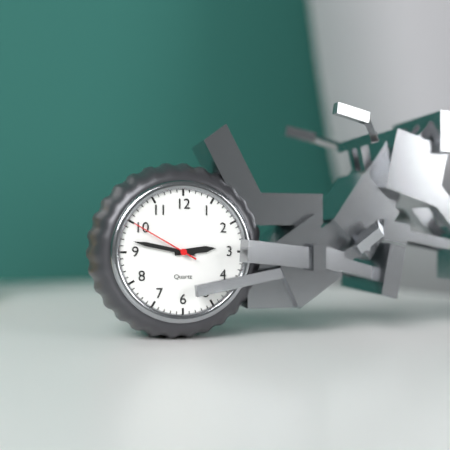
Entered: 2.47.50
